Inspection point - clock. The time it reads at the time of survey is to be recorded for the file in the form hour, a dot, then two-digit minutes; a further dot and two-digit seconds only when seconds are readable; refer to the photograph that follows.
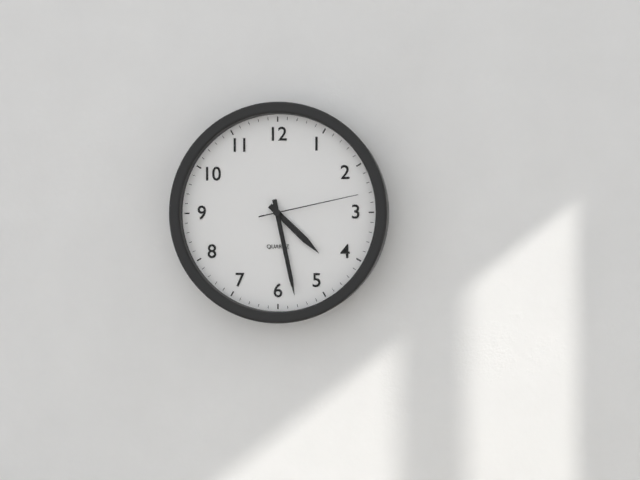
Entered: 4.28.13
